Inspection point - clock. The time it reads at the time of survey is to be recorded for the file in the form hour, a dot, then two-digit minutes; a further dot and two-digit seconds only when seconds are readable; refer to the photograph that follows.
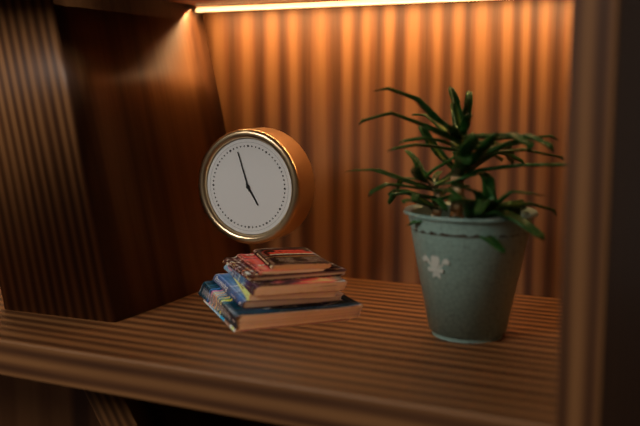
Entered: 4.57
